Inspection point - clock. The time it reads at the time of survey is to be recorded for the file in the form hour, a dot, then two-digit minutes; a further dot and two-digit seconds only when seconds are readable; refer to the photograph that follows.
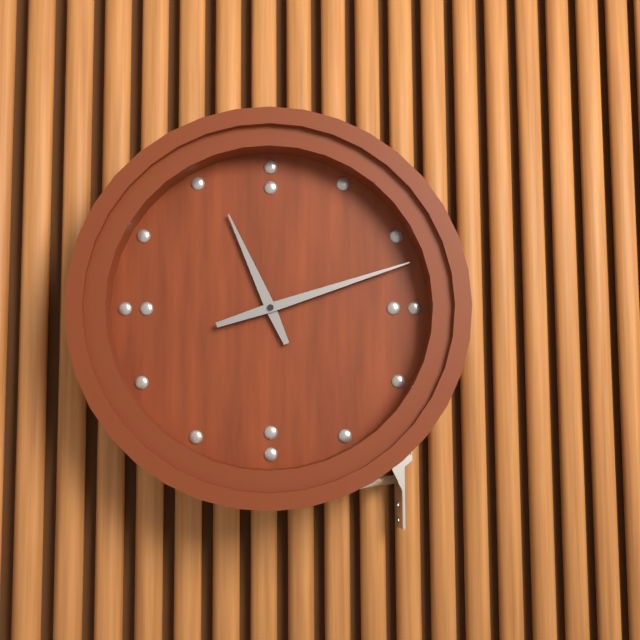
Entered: 11.12
